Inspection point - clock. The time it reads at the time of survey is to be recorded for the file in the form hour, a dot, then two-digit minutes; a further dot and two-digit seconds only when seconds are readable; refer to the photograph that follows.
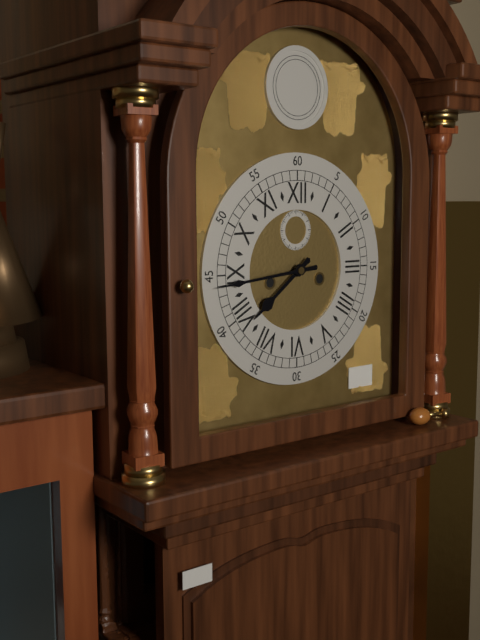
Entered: 7.44
